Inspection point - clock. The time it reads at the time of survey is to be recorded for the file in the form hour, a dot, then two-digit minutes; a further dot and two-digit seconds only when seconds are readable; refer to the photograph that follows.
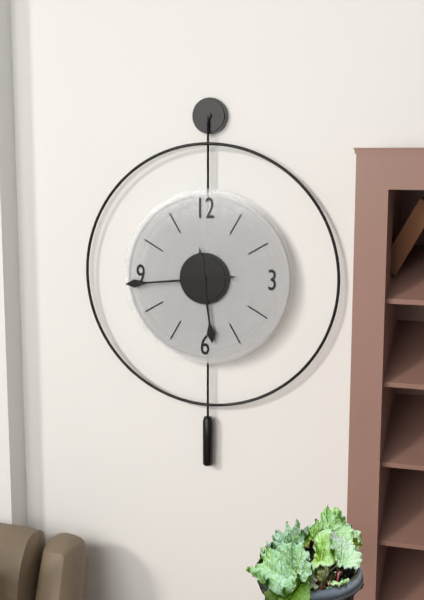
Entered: 5.44
